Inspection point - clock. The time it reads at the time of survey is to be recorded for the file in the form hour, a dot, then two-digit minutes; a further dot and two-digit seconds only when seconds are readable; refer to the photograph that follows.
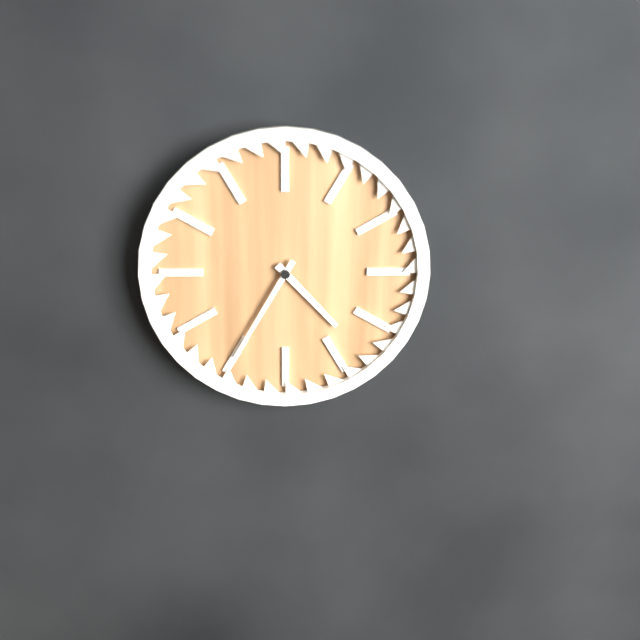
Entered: 4.35
